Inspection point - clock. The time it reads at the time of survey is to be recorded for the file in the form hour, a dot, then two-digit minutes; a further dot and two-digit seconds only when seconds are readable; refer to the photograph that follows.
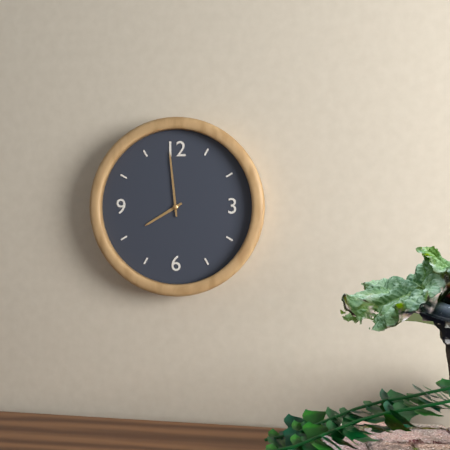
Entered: 7.59
